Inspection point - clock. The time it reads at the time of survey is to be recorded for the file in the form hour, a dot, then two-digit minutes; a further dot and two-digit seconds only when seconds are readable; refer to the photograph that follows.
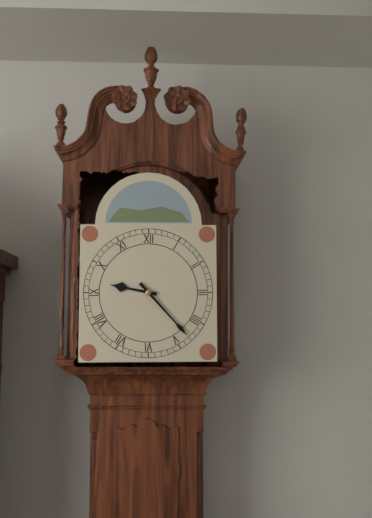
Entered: 9.23
